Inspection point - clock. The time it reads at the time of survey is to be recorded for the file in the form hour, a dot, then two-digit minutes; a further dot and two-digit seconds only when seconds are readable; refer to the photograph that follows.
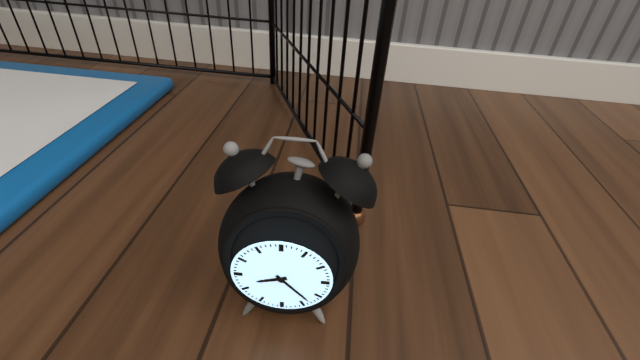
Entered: 8.23
